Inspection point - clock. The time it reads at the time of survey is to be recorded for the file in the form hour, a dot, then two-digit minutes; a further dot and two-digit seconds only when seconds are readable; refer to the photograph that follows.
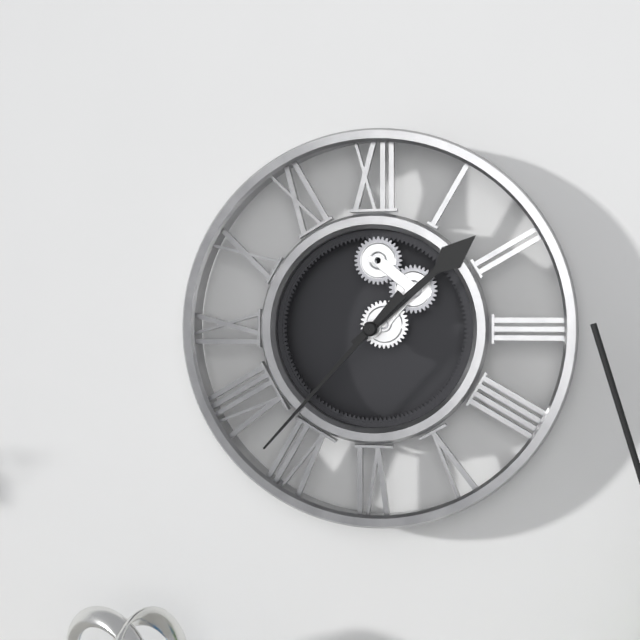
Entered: 1.37
